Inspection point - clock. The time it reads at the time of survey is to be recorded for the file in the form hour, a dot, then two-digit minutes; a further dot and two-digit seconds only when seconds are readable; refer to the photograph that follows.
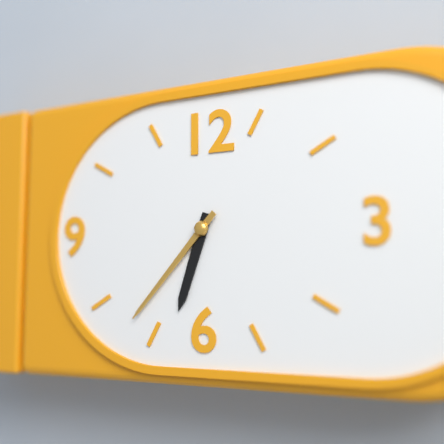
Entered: 6.37
